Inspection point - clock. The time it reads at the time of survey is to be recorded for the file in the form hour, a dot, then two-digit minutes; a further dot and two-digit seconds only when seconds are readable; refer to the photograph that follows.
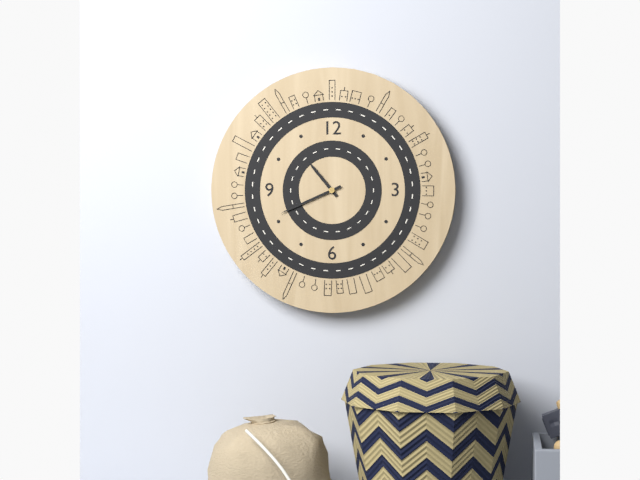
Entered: 10.41
